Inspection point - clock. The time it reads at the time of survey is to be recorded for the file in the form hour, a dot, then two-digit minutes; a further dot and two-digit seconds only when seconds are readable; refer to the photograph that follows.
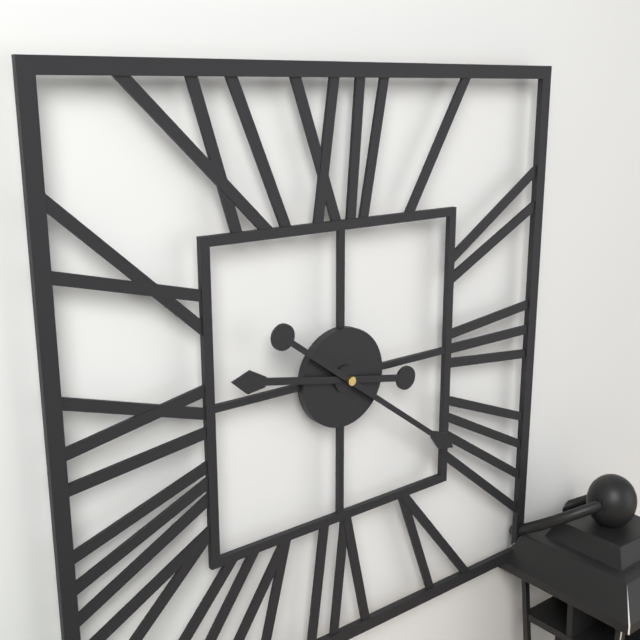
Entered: 9.21
